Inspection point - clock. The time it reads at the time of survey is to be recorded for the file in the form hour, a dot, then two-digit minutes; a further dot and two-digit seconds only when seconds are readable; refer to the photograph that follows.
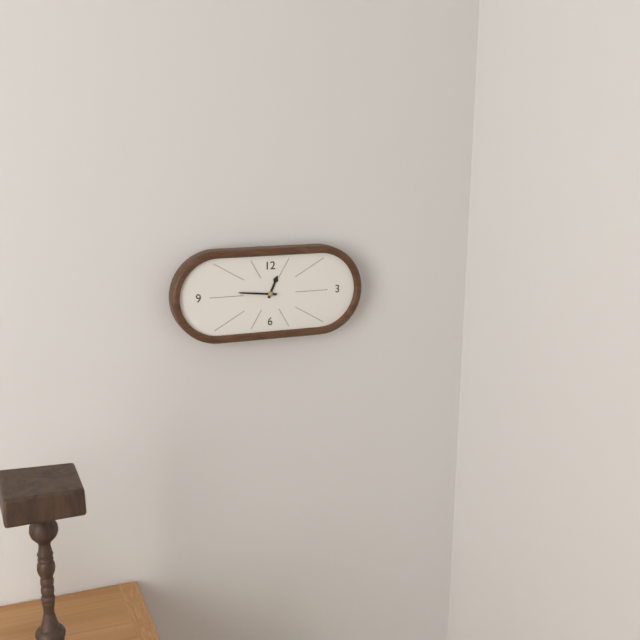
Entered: 12.46
